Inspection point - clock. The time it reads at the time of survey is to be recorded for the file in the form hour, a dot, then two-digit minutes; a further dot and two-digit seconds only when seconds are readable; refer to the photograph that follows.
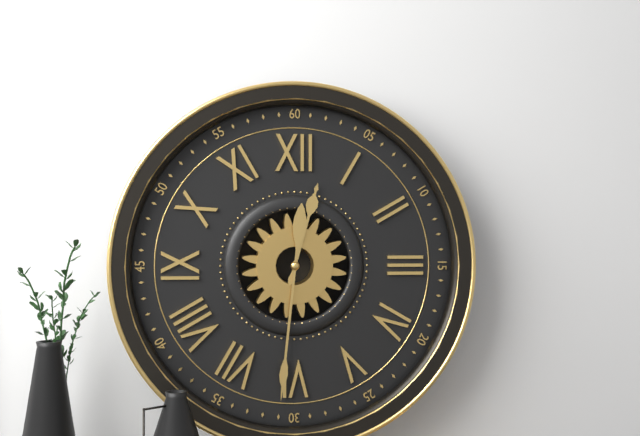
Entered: 12.31
